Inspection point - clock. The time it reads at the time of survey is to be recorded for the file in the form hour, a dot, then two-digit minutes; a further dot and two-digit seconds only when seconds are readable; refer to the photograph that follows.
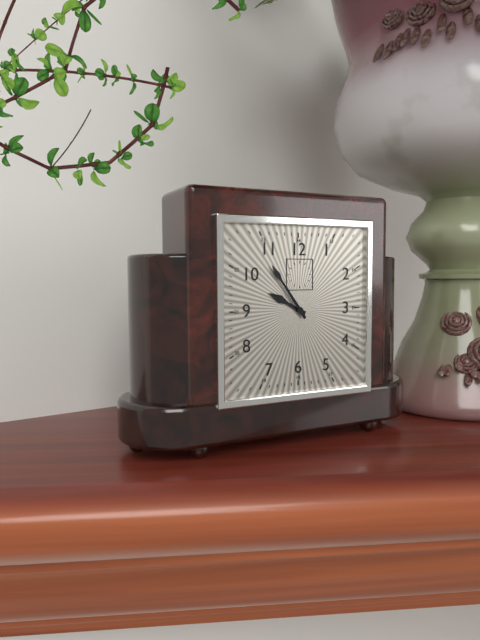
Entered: 9.54
